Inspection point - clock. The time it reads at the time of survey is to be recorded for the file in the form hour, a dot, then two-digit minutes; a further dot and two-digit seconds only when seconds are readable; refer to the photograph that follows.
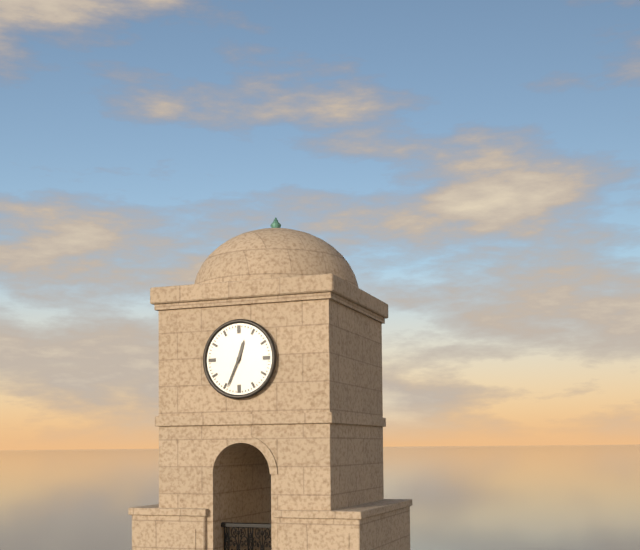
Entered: 12.34
